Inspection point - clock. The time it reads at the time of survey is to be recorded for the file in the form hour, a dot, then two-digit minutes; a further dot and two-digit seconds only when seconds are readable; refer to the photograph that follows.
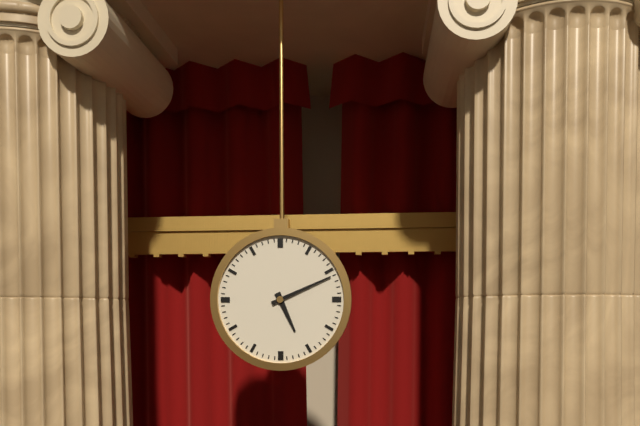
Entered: 5.11
